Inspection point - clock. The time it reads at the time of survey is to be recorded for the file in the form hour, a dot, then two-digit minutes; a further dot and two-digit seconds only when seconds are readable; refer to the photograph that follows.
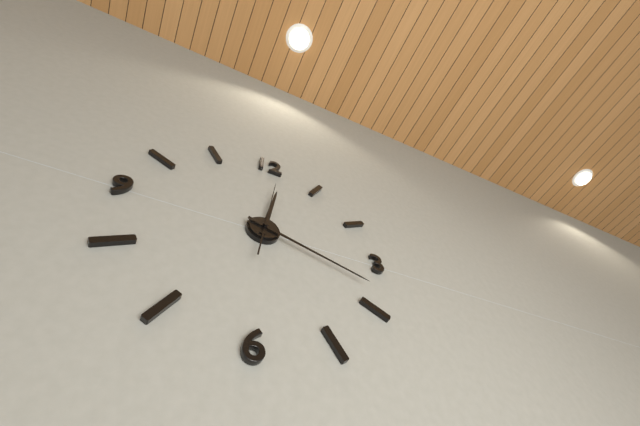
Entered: 12.18.01
